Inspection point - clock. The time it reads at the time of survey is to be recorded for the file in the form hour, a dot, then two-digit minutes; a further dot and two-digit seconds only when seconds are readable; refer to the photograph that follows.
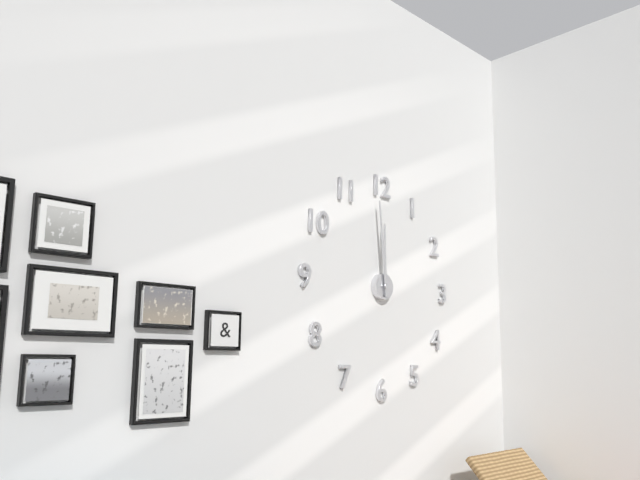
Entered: 11.59
